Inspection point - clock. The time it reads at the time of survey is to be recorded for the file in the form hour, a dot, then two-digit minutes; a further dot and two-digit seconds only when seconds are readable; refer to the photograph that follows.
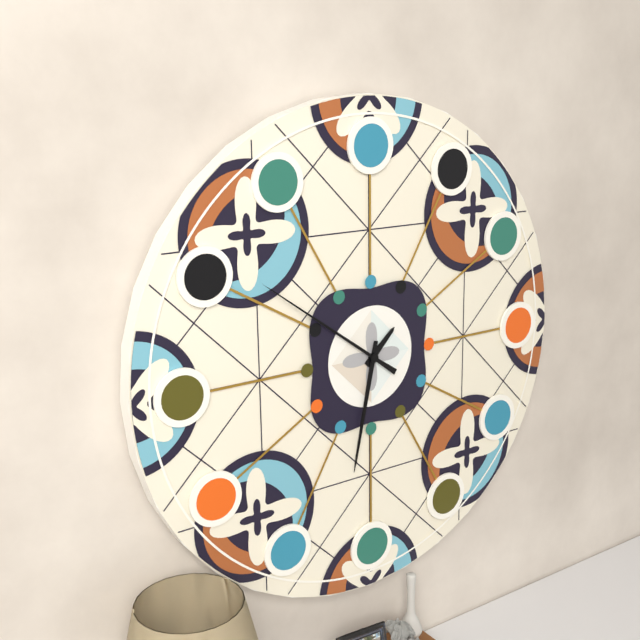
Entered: 1.32.51
